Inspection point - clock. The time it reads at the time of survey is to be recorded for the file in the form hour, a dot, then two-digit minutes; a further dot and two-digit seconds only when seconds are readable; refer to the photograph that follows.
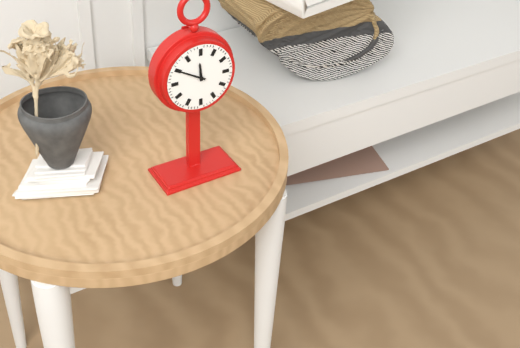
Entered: 11.50
